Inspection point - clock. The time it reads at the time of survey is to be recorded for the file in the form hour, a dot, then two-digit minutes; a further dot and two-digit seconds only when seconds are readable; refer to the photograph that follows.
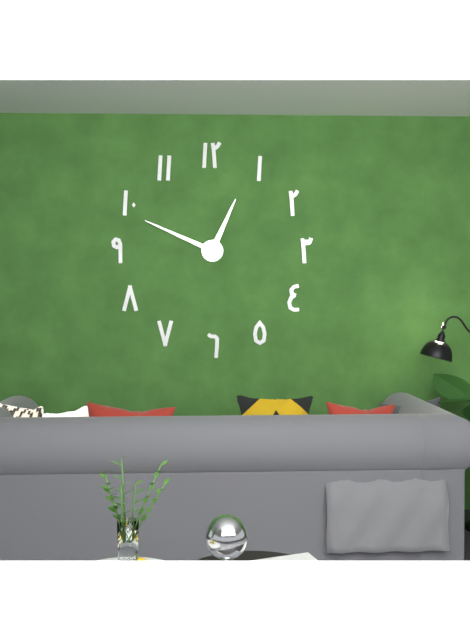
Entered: 12.49
